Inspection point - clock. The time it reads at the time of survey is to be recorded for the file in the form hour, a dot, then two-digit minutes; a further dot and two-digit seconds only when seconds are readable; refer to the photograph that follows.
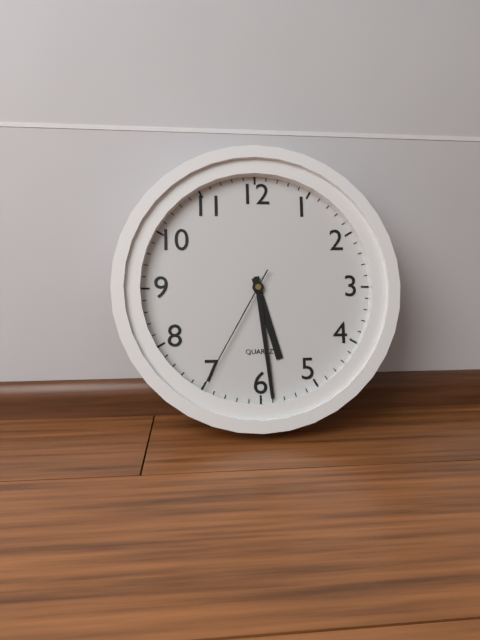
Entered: 5.29.35
